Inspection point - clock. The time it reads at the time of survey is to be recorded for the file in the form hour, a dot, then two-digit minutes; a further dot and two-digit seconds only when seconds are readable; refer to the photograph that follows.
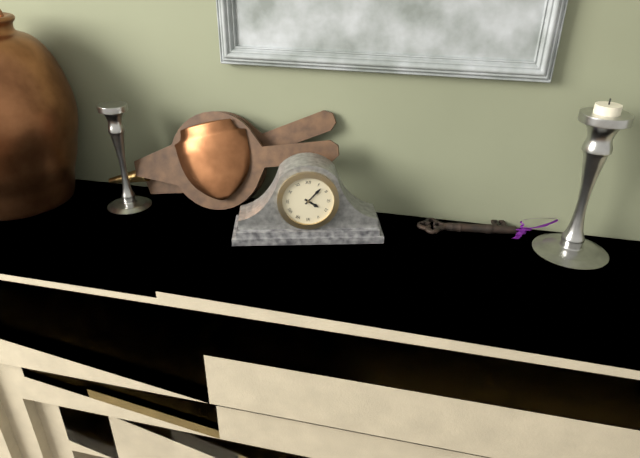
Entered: 4.07
